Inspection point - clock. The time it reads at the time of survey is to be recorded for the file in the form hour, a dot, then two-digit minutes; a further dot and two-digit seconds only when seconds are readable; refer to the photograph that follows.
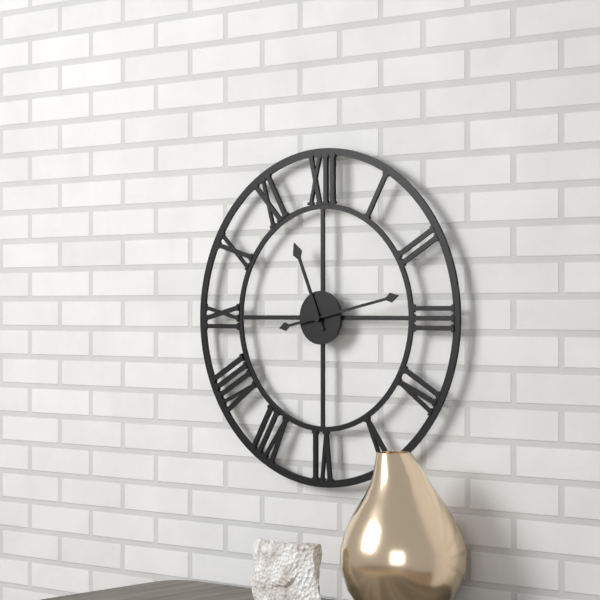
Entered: 11.13
